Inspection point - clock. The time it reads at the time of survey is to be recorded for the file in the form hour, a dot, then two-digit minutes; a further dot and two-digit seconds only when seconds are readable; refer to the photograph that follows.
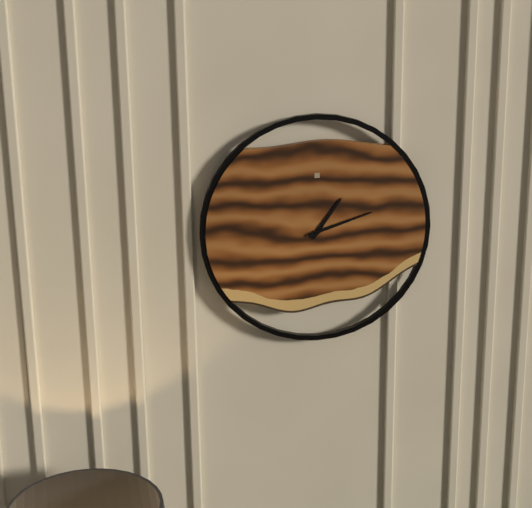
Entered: 1.12
